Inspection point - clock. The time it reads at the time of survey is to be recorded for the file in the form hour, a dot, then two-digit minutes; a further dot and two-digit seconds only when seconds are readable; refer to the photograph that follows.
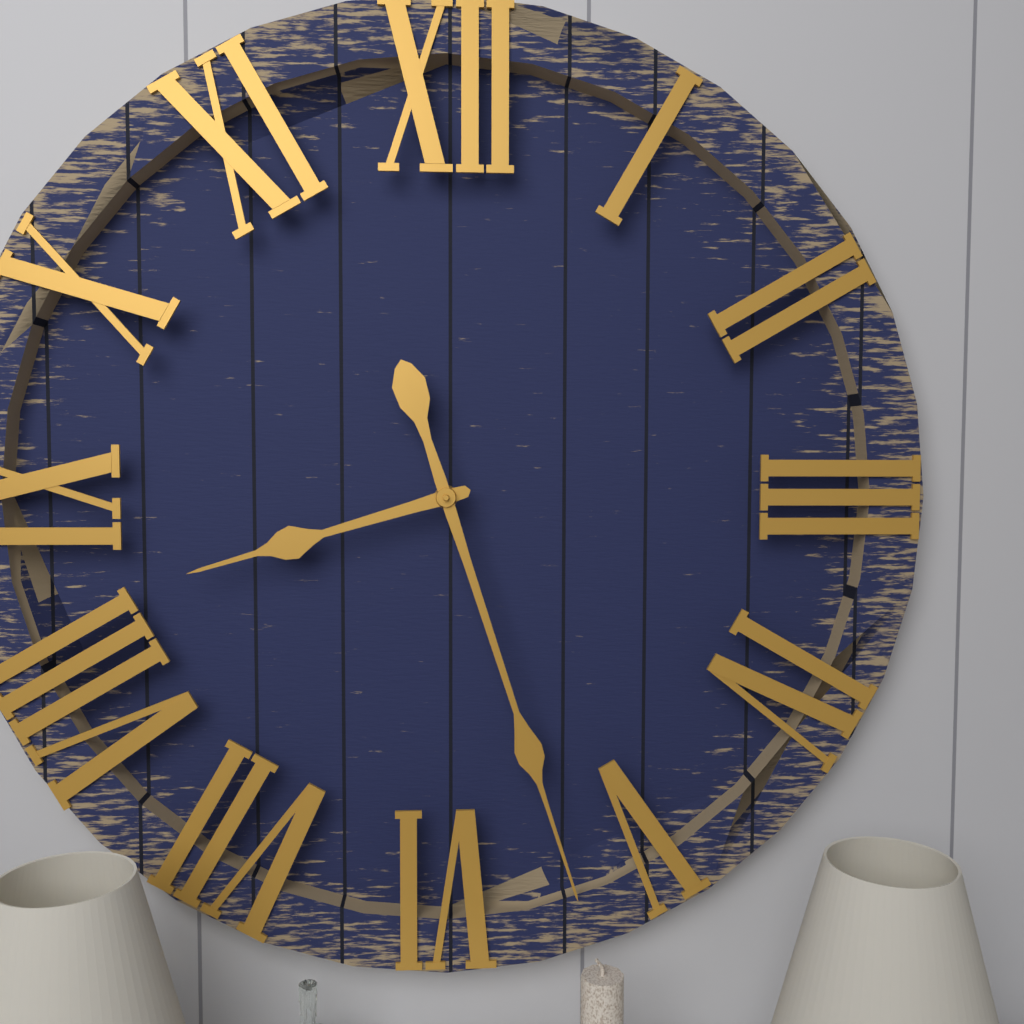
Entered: 8.27
